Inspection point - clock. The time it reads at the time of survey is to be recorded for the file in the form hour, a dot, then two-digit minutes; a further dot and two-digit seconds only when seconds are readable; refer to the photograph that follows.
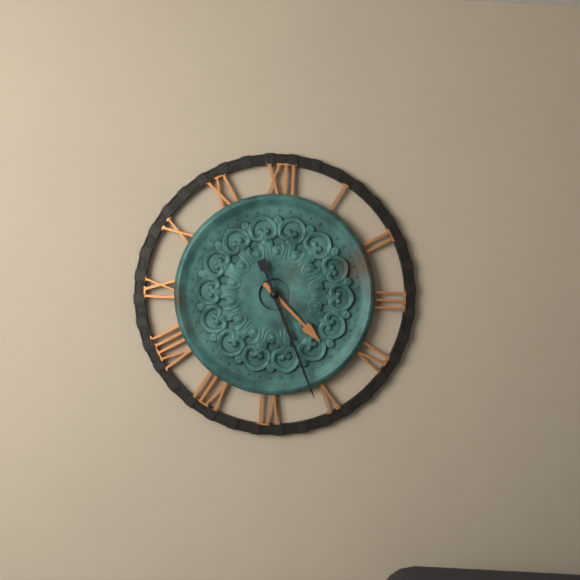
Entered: 4.26
